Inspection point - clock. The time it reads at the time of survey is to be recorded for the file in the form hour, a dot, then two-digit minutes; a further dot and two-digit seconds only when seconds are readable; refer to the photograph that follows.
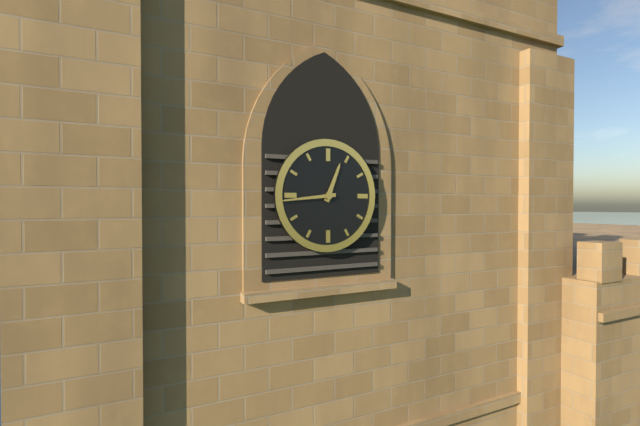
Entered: 12.44
